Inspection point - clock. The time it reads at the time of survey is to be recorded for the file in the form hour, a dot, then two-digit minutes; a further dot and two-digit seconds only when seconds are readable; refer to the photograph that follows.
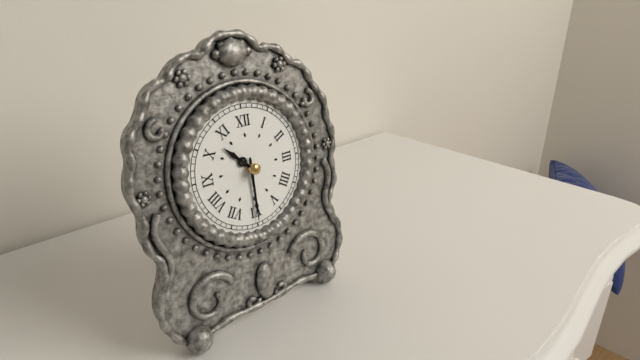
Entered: 10.30
